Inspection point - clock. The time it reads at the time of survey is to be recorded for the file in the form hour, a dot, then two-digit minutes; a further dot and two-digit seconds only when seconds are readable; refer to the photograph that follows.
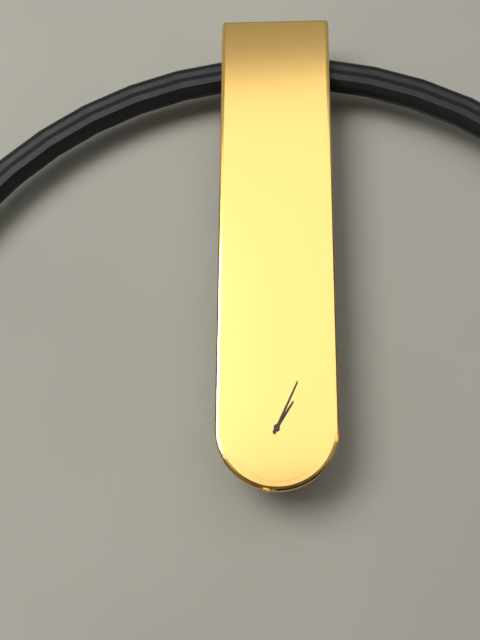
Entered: 1.04
